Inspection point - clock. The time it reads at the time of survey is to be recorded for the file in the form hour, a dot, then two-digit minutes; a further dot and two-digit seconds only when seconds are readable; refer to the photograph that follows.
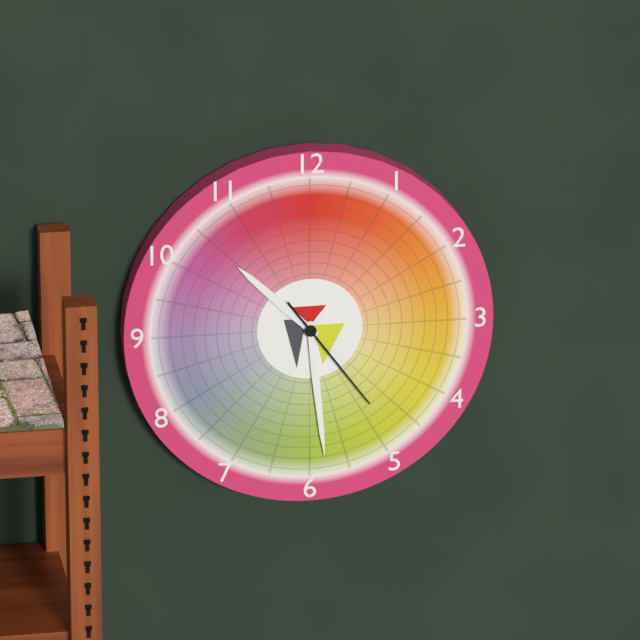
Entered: 10.29.24
